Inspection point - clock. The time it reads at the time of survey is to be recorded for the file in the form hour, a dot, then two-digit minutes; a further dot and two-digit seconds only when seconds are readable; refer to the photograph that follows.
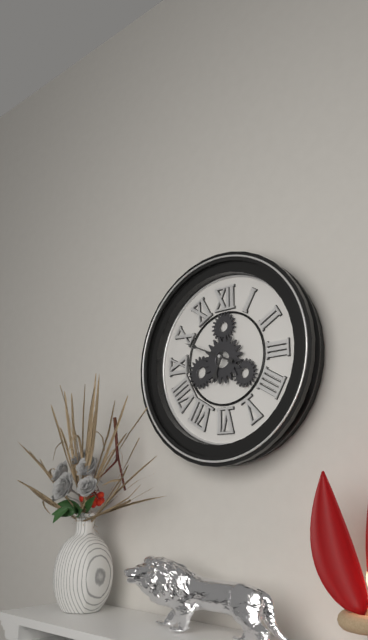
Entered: 6.49
